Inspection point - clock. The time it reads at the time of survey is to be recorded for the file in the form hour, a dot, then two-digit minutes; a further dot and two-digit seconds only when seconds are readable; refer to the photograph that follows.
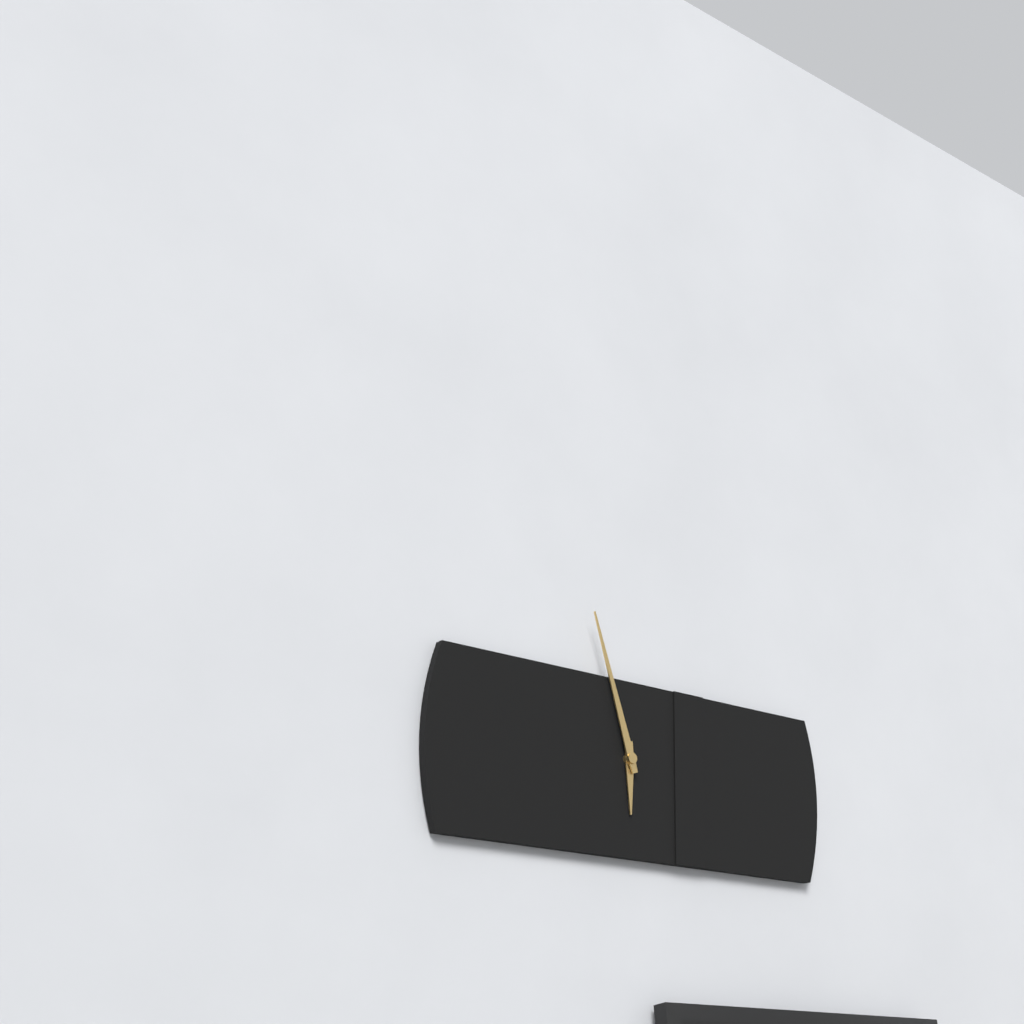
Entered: 5.57
